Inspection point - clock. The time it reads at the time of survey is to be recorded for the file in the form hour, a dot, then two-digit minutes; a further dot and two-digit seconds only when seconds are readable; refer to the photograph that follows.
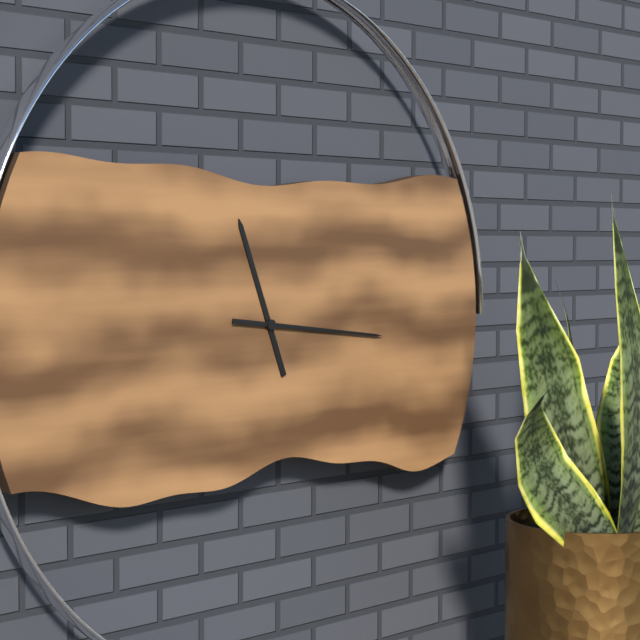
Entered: 11.16
